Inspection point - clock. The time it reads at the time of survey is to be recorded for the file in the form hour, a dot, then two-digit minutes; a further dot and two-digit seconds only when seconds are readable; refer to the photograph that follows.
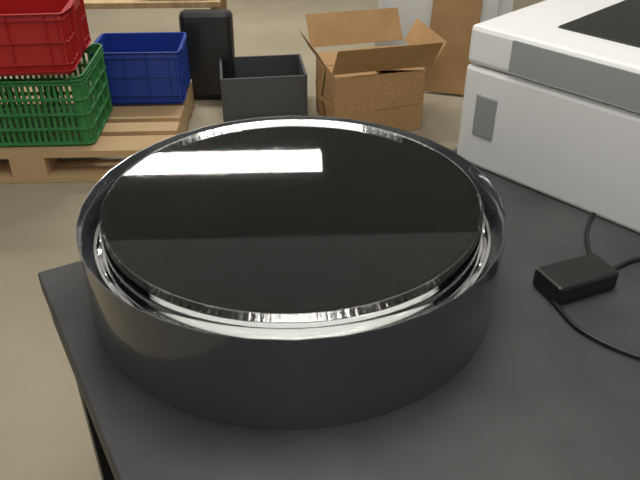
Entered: 11.06
